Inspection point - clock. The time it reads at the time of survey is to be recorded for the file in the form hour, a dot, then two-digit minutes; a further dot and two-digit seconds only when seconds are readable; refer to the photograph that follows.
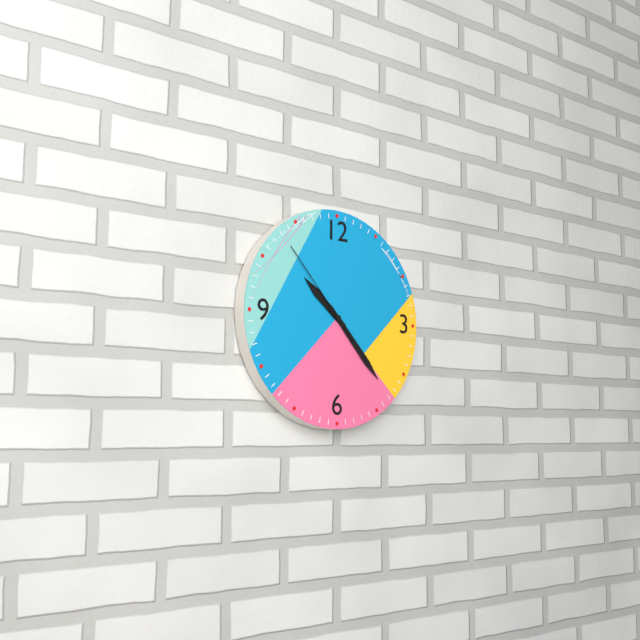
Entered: 10.23.53
